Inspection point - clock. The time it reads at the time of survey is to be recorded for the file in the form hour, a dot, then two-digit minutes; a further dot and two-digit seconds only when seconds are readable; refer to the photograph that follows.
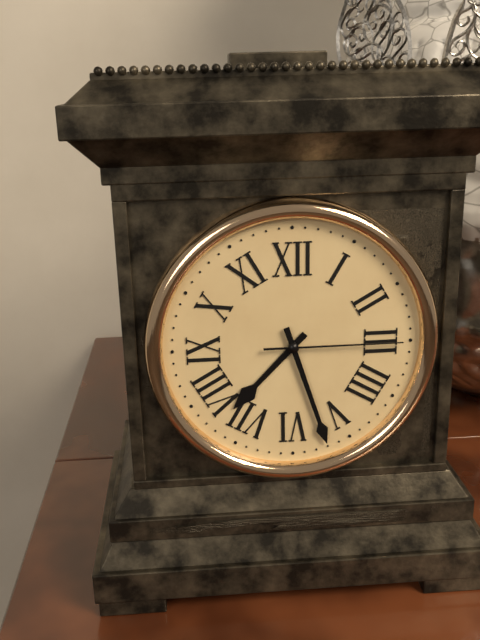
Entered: 7.27.15
